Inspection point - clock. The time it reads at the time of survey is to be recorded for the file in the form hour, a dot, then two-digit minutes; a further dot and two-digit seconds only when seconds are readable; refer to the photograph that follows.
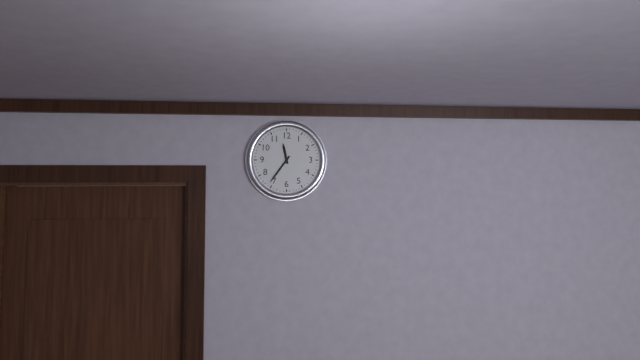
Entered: 11.36
